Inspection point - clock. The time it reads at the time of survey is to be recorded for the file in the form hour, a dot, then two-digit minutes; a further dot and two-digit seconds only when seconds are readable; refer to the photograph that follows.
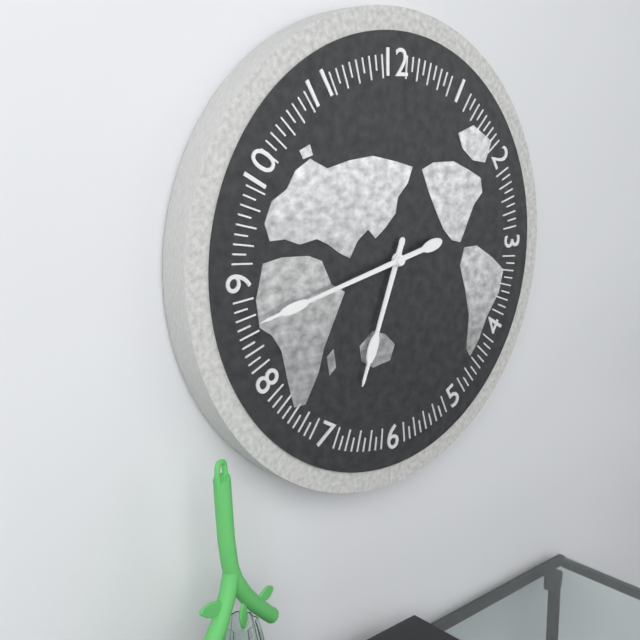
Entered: 6.43
